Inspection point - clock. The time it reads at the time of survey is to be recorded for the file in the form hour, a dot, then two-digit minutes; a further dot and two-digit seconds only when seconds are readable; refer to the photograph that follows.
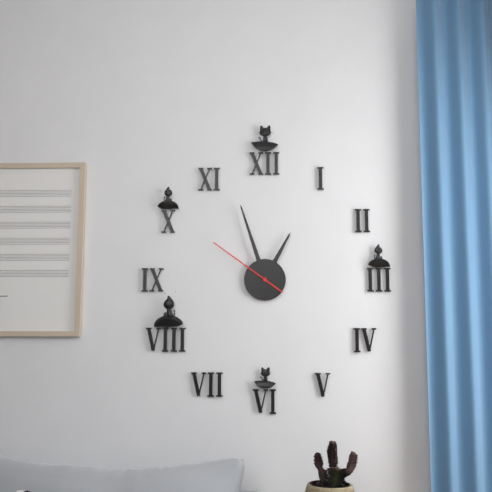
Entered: 12.57.51
